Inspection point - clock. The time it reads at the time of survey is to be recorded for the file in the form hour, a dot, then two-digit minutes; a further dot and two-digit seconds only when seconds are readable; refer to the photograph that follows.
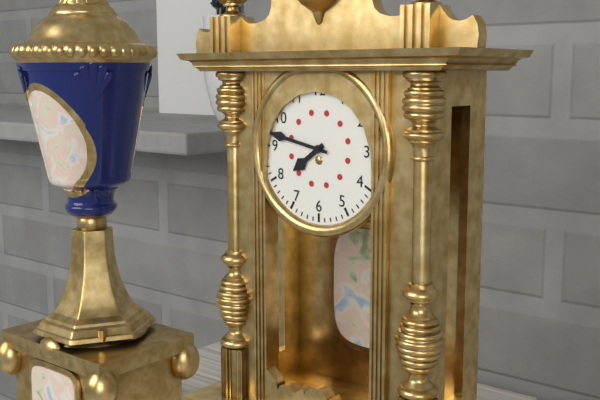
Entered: 7.47
